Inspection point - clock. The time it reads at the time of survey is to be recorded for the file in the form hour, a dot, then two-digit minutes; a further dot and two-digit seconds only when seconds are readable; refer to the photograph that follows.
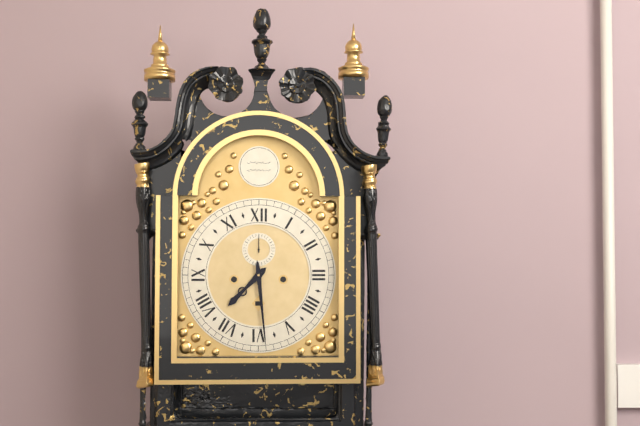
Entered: 7.29
